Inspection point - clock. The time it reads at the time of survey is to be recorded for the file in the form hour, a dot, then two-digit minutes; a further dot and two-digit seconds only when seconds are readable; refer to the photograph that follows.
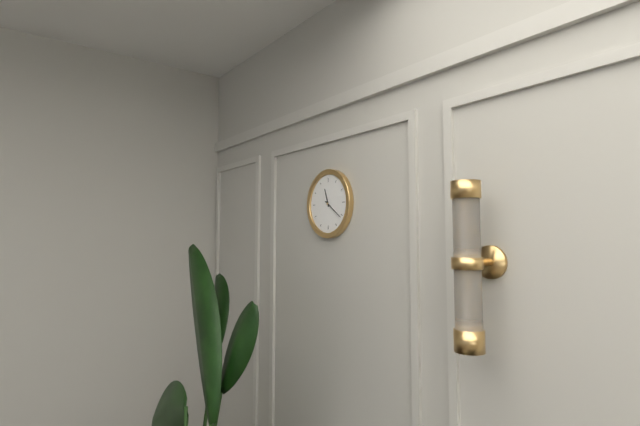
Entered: 11.21
